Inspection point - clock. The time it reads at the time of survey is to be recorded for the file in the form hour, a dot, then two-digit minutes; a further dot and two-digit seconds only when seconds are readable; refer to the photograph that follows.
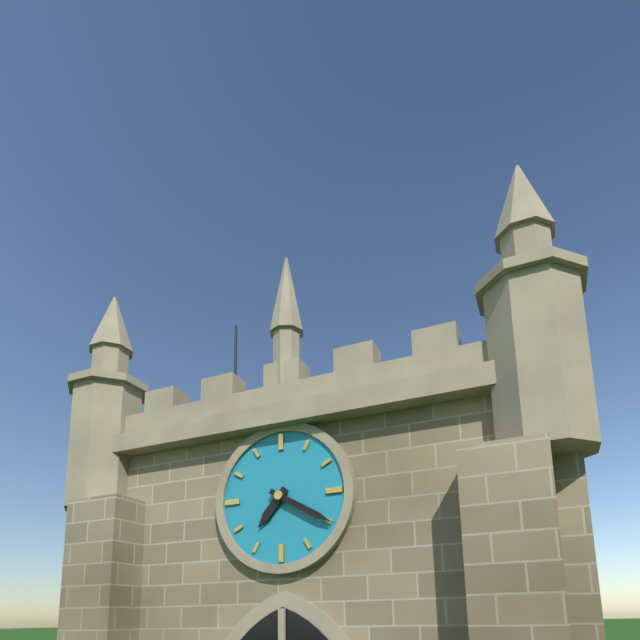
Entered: 7.20
